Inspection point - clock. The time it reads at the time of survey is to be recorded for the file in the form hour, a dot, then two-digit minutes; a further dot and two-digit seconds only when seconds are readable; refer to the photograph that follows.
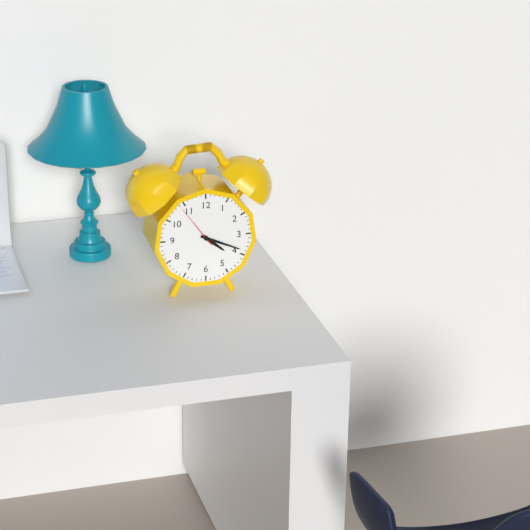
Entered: 4.19
